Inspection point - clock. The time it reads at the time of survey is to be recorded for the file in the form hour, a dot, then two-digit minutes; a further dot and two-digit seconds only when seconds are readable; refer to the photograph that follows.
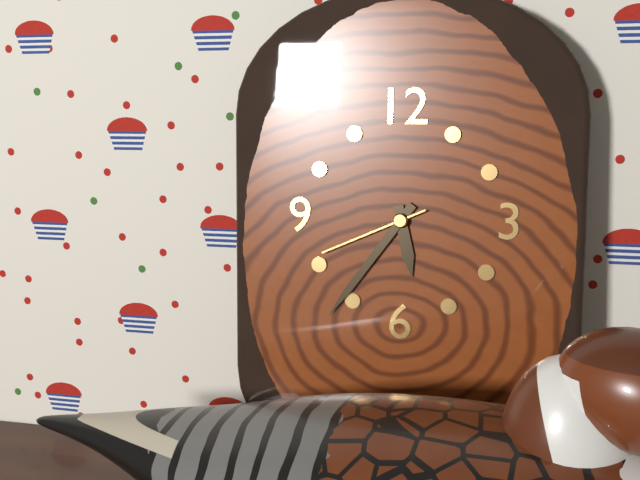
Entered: 5.36.41
